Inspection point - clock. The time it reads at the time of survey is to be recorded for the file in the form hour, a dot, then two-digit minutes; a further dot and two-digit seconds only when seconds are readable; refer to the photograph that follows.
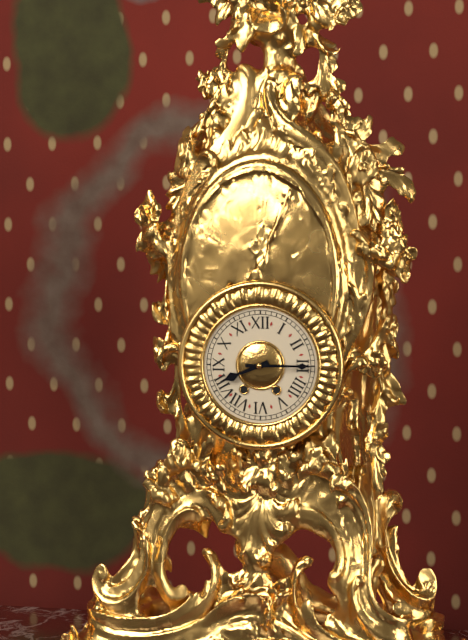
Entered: 8.15
